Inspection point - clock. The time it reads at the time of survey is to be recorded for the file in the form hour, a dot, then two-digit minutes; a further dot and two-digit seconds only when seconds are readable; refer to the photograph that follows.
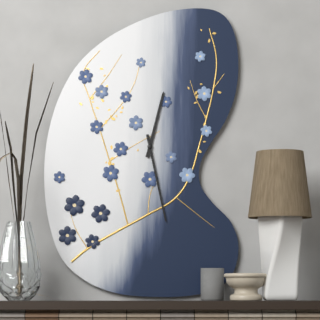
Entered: 12.28
